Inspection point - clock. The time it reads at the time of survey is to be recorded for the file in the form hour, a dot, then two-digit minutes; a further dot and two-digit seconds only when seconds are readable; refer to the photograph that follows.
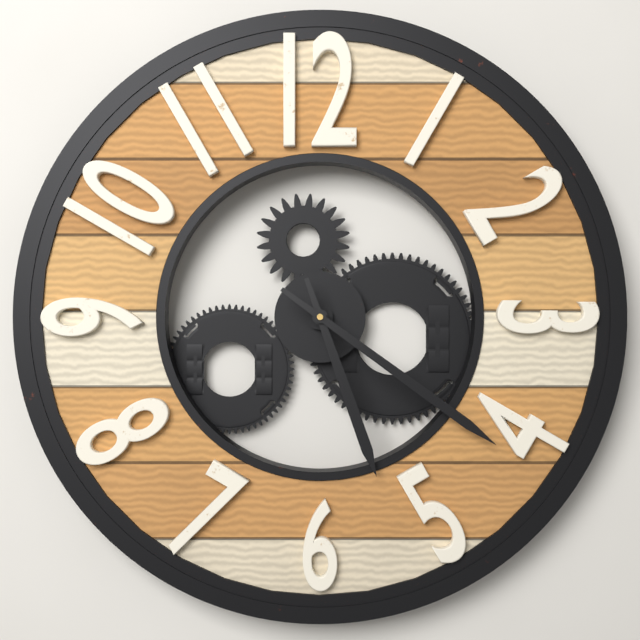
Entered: 5.21
